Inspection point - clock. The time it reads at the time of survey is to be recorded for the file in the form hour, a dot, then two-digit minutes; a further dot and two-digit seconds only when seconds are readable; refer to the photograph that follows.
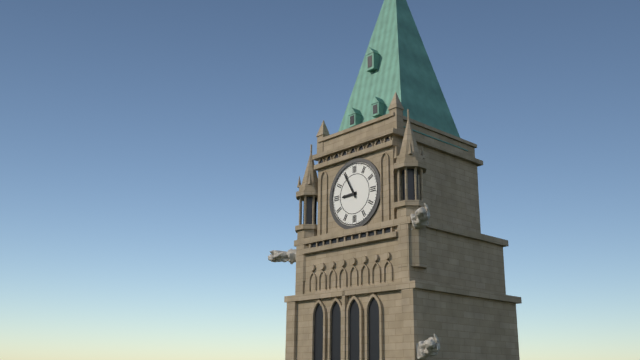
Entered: 8.55
